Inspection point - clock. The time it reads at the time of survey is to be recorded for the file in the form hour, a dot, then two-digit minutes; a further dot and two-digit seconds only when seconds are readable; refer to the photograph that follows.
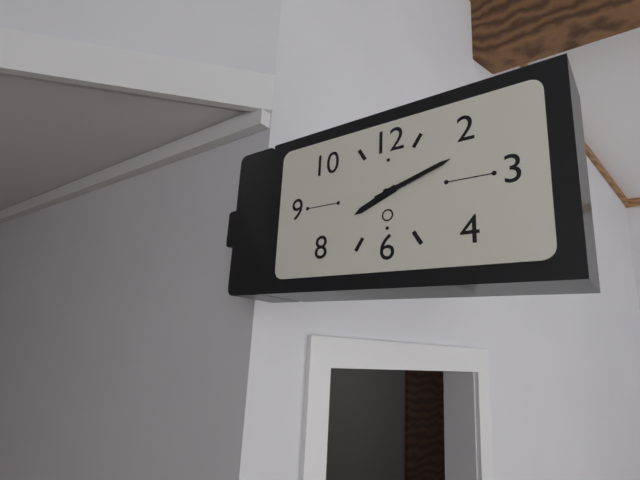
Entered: 8.12
